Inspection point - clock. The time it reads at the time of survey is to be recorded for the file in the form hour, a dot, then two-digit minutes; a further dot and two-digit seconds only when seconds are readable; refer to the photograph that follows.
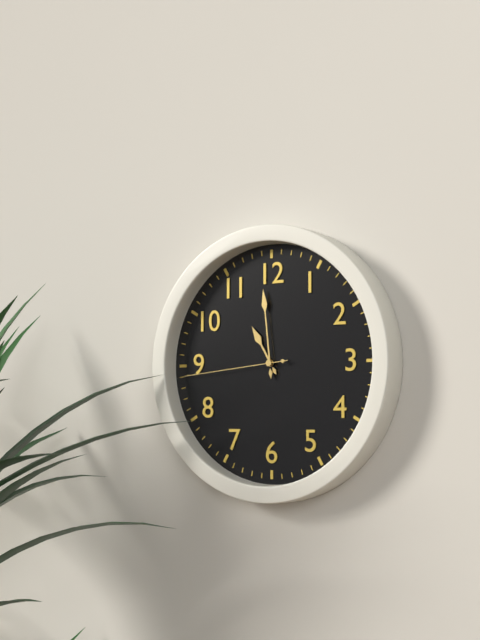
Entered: 10.59.44
